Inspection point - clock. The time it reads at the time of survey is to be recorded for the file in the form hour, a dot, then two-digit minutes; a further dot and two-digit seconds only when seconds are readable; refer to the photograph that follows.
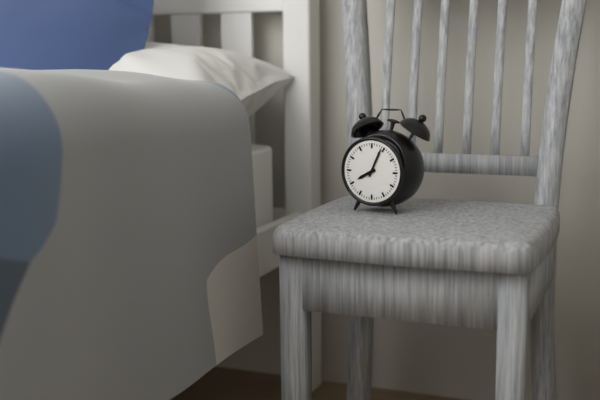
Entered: 8.04
